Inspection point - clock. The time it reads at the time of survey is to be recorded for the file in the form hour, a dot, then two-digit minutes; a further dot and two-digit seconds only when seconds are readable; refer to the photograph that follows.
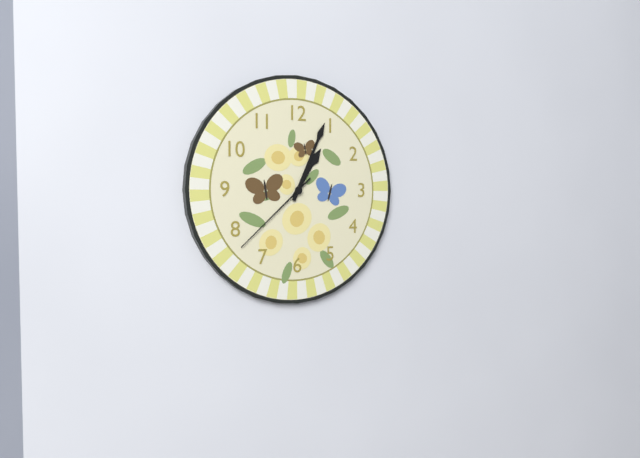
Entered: 1.04.38
